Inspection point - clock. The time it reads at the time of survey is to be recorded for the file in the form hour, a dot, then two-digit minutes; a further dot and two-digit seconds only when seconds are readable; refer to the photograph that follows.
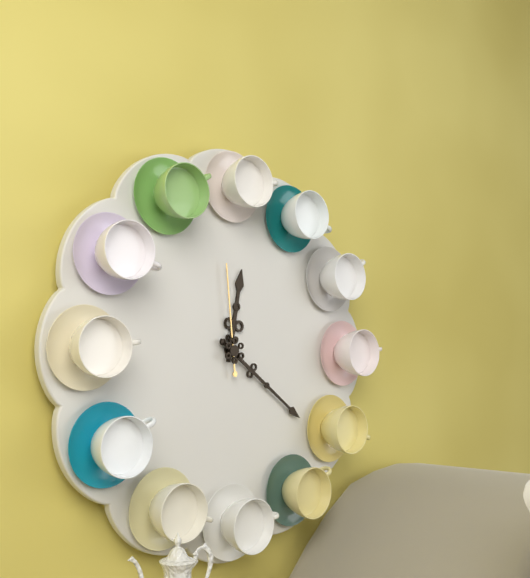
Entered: 12.21.59
